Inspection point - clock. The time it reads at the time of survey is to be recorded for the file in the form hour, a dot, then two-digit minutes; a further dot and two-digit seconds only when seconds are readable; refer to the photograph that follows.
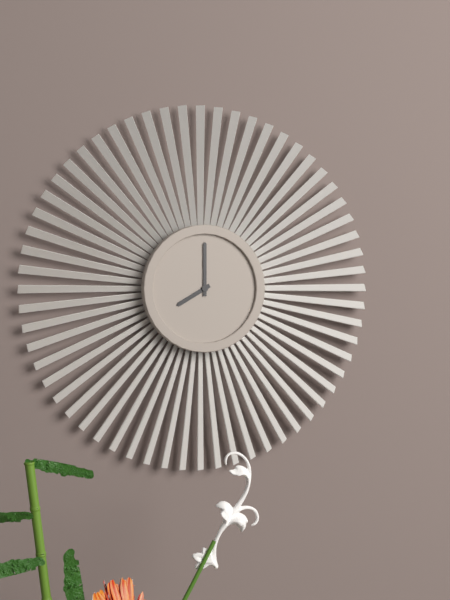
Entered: 8.00
